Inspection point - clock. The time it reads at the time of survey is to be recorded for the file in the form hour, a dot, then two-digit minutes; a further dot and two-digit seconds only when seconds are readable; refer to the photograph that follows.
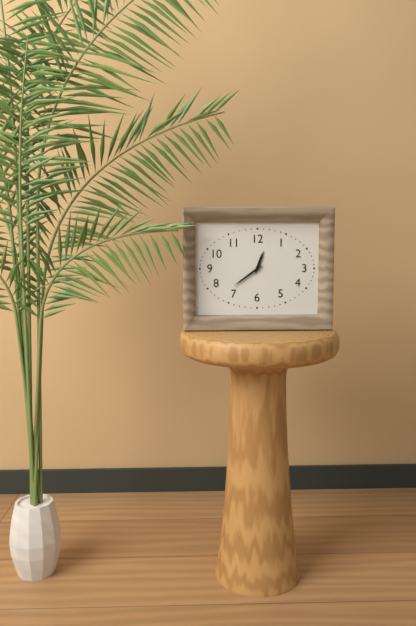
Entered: 12.39
